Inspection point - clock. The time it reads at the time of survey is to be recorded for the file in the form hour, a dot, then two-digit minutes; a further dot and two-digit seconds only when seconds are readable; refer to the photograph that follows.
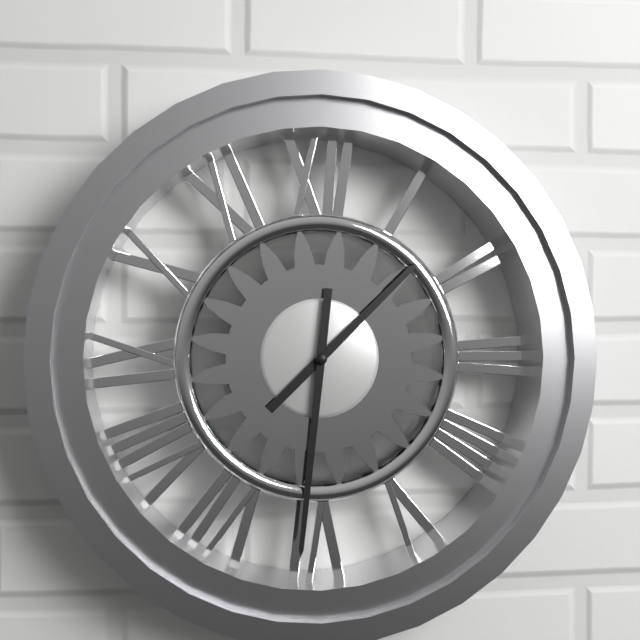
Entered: 1.31
